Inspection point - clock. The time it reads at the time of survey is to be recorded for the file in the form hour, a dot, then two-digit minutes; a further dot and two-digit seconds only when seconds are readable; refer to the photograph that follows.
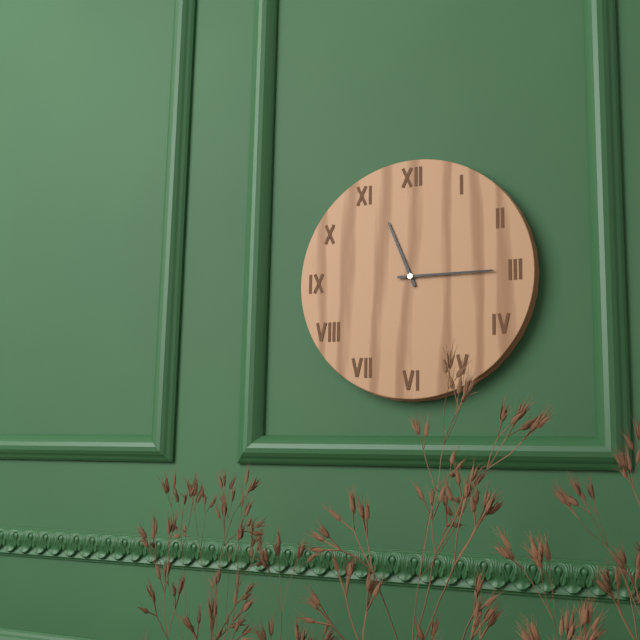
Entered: 11.15
